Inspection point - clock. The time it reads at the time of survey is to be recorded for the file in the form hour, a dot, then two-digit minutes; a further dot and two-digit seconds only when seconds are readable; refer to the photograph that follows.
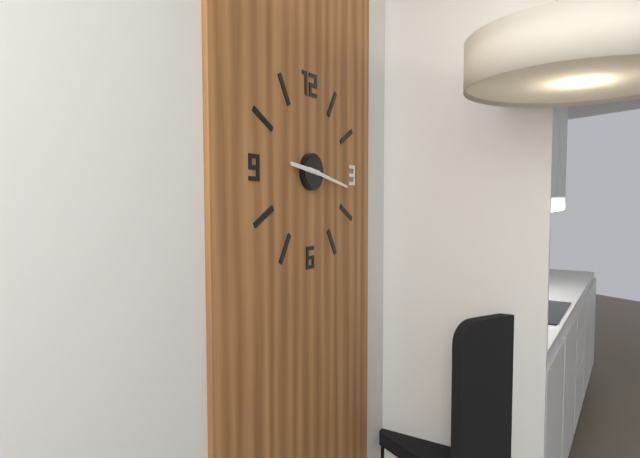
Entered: 9.17
